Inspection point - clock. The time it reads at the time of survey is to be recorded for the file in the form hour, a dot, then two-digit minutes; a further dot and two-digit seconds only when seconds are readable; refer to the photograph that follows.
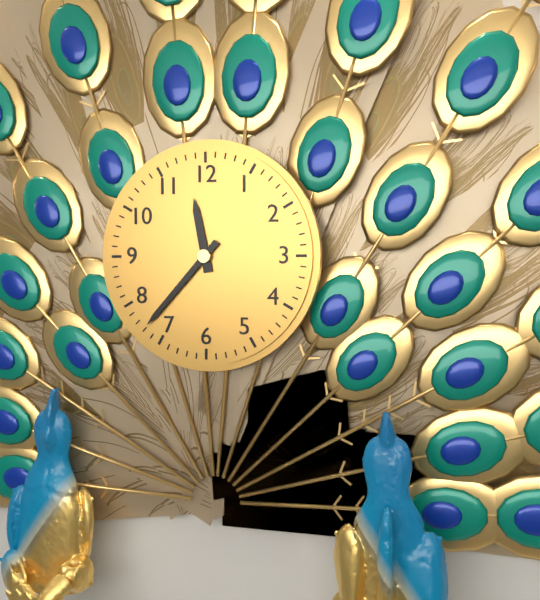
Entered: 11.37
